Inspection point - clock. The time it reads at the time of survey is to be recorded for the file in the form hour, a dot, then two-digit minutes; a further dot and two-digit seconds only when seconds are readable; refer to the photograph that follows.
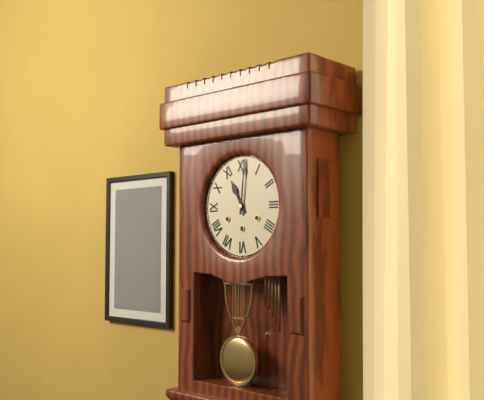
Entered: 11.01
